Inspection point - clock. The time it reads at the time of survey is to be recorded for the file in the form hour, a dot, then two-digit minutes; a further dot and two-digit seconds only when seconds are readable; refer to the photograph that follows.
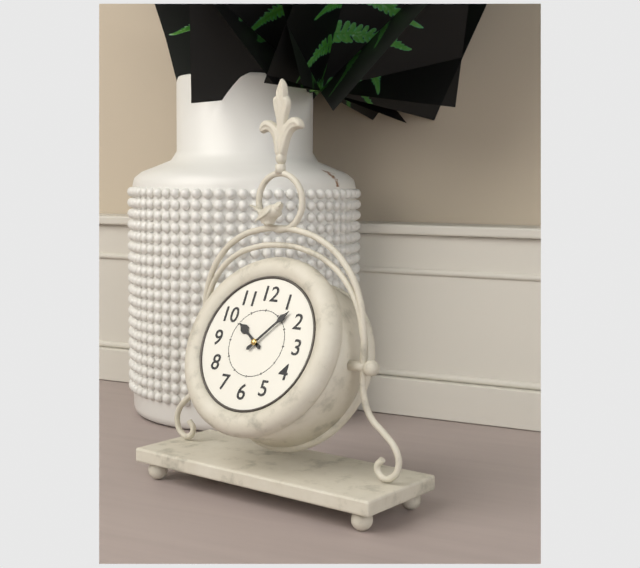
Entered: 10.07
